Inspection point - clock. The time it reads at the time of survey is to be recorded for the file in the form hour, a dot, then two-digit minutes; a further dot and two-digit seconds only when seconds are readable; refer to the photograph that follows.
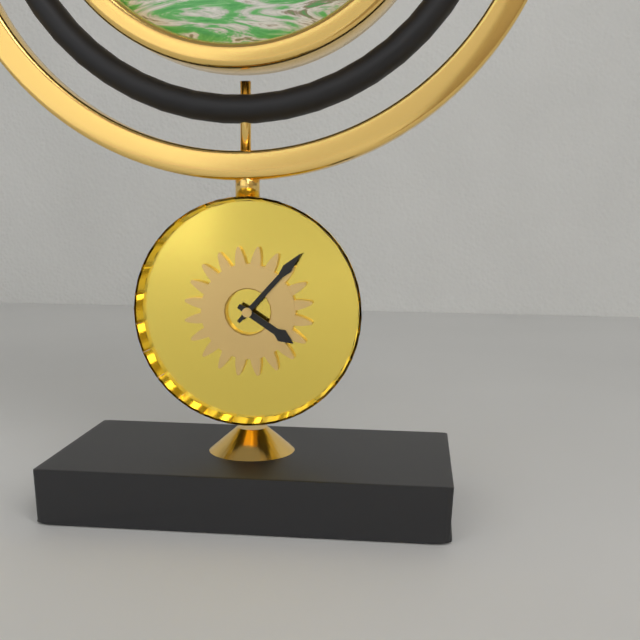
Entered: 4.07
